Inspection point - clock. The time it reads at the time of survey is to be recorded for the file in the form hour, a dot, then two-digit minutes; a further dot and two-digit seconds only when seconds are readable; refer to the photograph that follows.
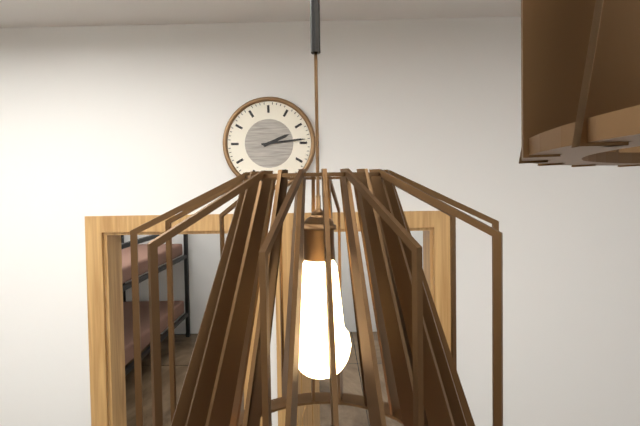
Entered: 2.14
